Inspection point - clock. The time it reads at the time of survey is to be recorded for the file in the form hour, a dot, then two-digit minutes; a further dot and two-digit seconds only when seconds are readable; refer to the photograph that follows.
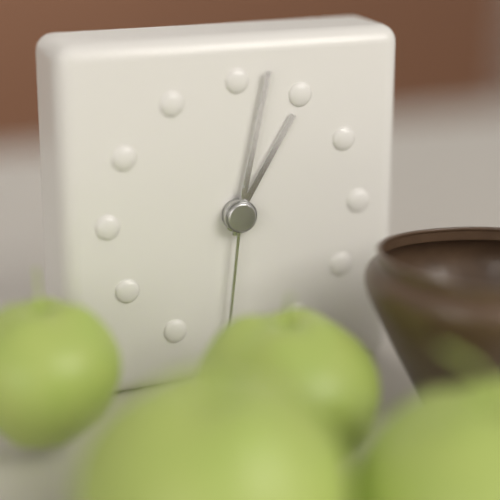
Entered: 1.02
